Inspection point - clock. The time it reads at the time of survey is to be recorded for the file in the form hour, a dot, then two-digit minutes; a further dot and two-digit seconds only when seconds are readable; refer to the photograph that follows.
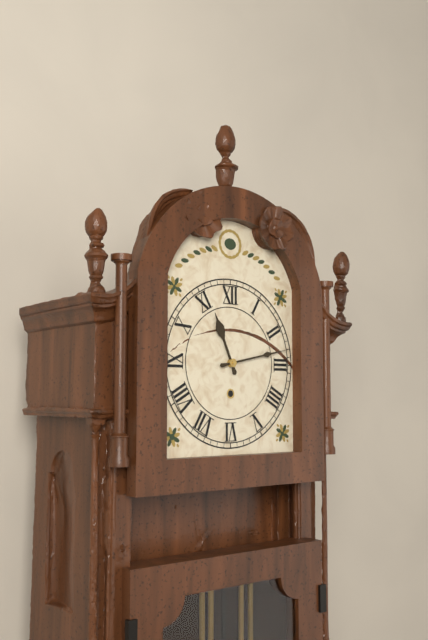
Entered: 11.13
